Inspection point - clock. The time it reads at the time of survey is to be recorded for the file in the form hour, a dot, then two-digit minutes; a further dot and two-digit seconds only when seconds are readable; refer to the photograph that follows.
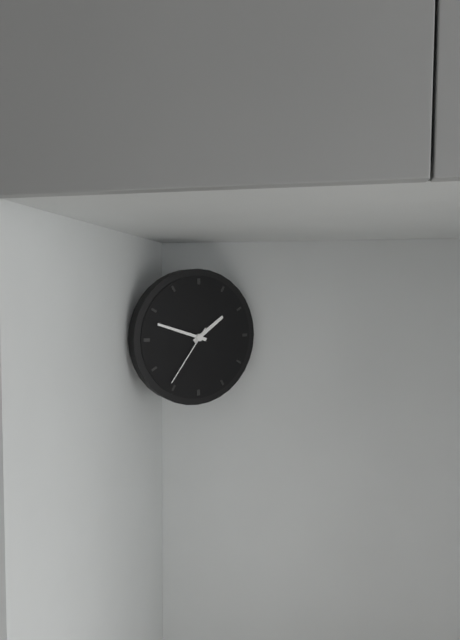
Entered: 1.48.36
